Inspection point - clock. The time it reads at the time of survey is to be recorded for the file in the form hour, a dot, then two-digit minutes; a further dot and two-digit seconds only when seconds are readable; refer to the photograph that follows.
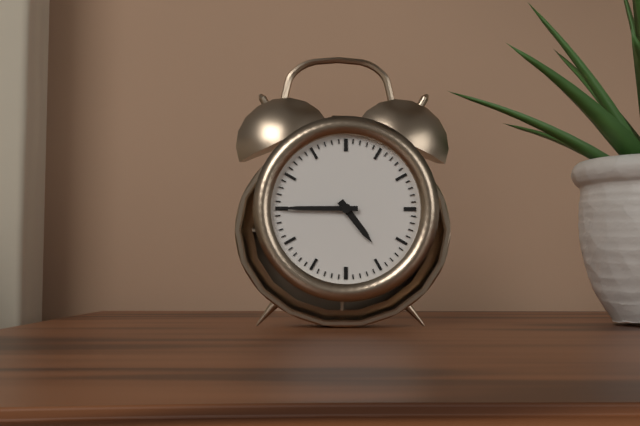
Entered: 4.45
